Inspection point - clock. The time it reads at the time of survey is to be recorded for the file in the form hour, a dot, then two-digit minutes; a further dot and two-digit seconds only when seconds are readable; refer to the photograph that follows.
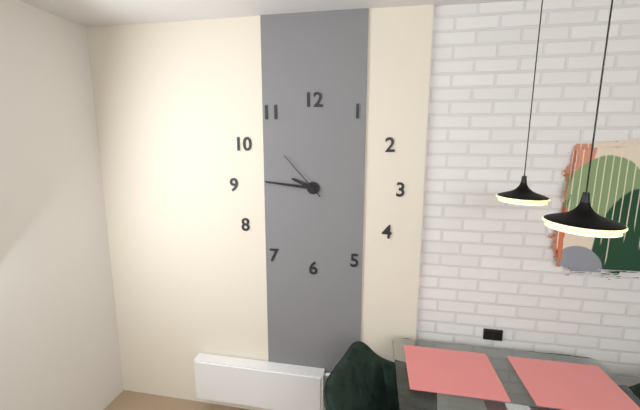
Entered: 9.46.53
